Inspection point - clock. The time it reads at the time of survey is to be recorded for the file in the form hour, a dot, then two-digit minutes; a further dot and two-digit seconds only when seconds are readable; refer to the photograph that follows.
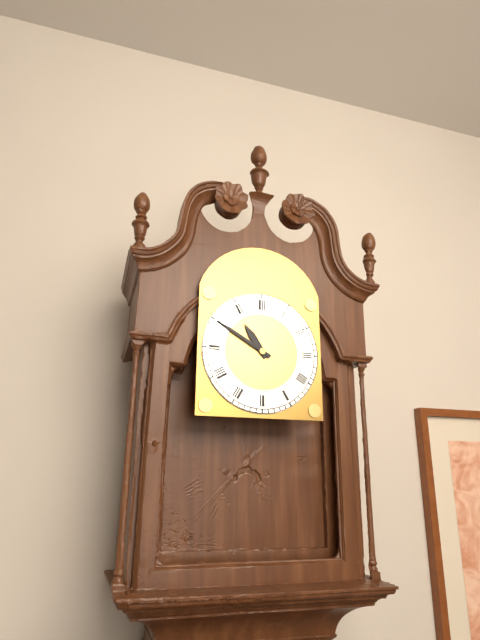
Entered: 10.50
